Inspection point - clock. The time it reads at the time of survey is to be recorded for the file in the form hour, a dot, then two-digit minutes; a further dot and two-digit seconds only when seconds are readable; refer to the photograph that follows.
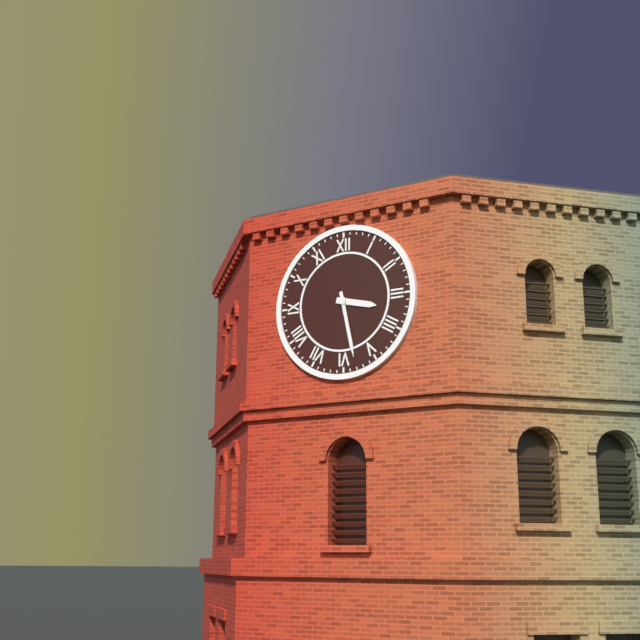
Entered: 3.28
